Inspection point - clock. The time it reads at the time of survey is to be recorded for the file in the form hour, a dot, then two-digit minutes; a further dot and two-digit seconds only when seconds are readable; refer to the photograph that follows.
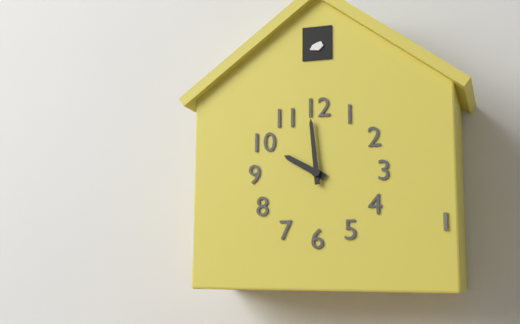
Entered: 9.59
